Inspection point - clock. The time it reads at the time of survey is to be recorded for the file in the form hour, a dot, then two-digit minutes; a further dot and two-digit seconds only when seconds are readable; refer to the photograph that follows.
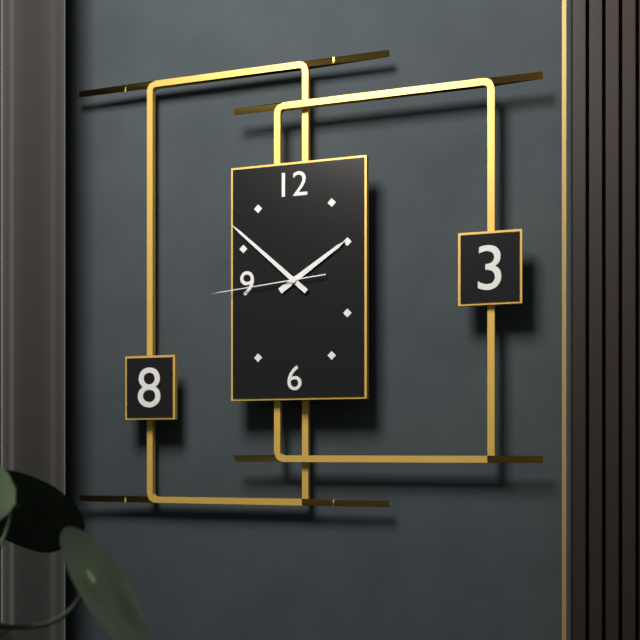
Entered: 1.52.44
